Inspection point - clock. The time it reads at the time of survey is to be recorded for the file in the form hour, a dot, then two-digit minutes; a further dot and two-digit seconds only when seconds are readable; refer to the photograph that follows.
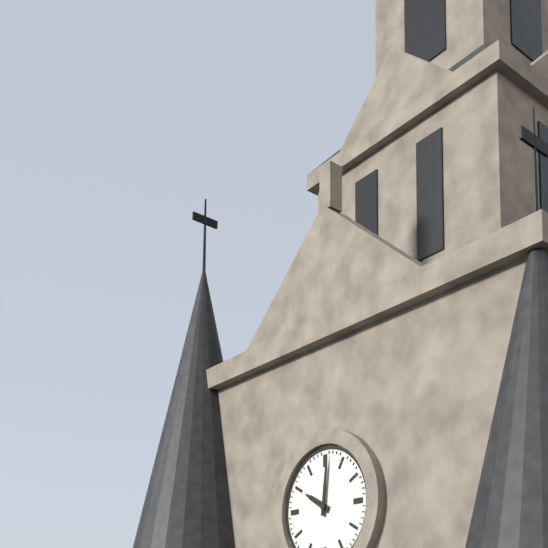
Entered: 10.01
